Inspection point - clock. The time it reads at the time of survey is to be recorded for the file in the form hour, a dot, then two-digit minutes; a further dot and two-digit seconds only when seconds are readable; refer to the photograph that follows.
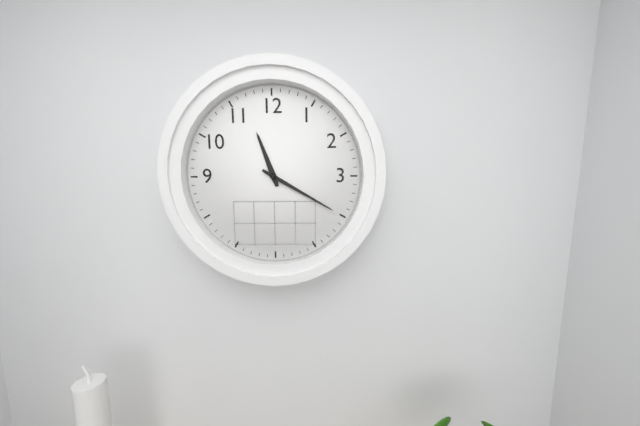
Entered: 11.20
